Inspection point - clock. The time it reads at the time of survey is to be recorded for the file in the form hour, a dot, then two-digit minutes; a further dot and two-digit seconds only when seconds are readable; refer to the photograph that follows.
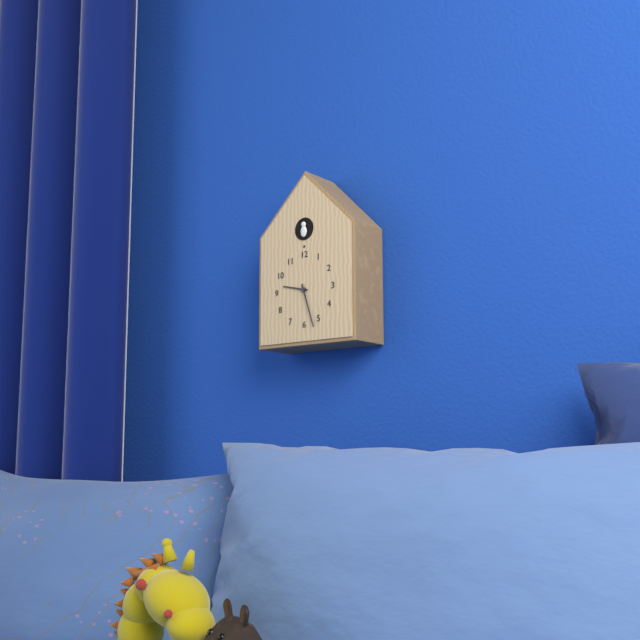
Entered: 9.27
